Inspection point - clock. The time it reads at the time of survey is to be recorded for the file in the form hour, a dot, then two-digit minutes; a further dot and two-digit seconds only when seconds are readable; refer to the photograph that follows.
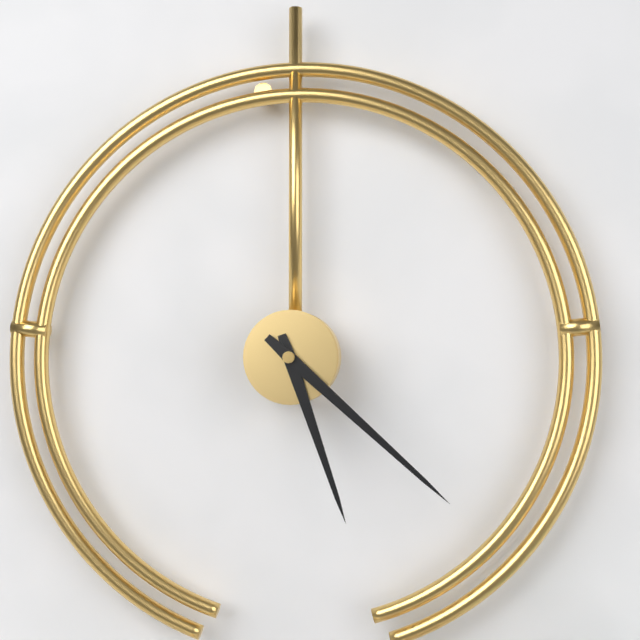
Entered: 5.22
